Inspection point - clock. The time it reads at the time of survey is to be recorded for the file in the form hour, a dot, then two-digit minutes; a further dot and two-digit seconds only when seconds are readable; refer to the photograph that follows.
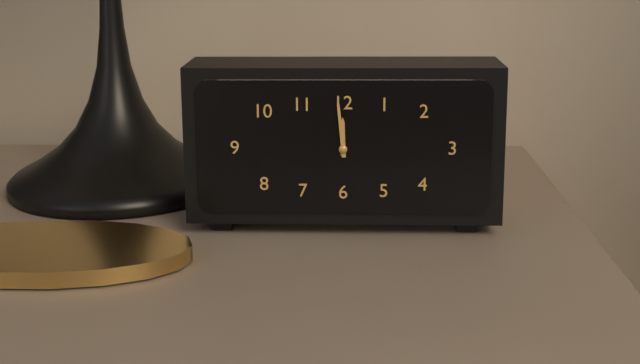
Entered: 11.59
